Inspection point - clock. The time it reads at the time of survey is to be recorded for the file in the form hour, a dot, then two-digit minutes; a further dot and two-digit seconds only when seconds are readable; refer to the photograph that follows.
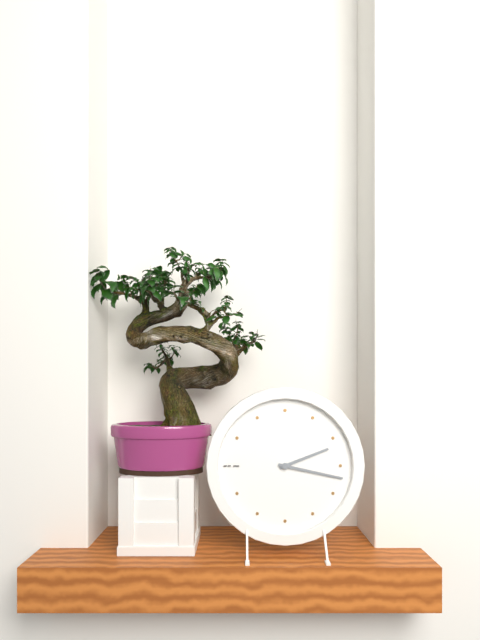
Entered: 2.17
